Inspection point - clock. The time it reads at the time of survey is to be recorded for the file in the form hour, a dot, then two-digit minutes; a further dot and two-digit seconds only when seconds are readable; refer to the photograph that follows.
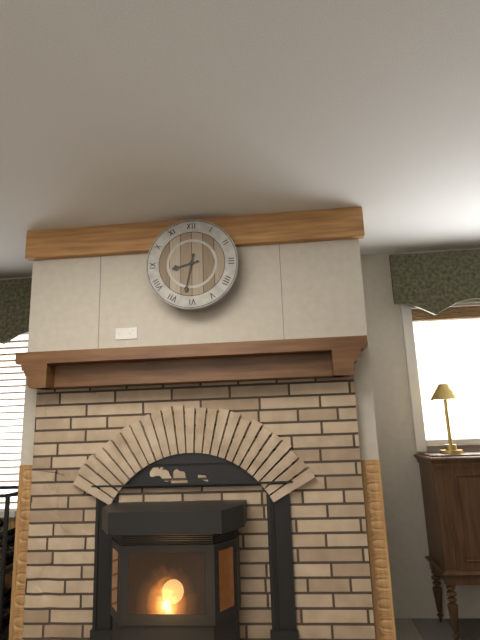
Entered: 8.32
